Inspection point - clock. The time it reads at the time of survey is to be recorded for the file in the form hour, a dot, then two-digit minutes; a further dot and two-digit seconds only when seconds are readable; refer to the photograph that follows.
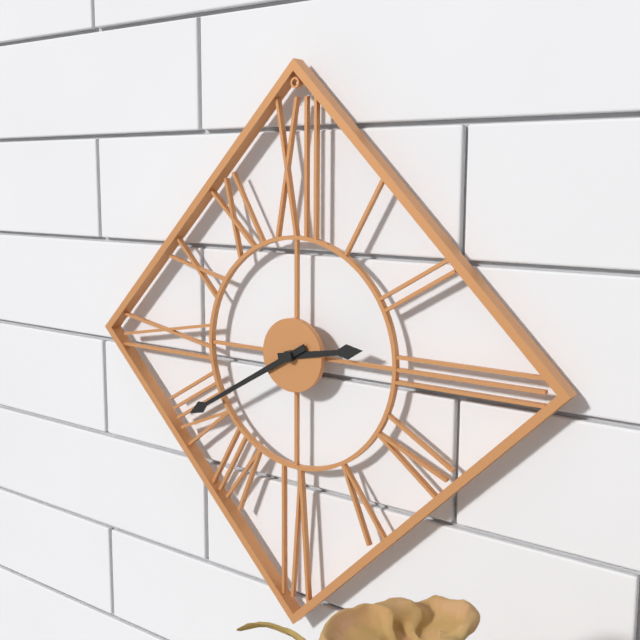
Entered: 2.40
